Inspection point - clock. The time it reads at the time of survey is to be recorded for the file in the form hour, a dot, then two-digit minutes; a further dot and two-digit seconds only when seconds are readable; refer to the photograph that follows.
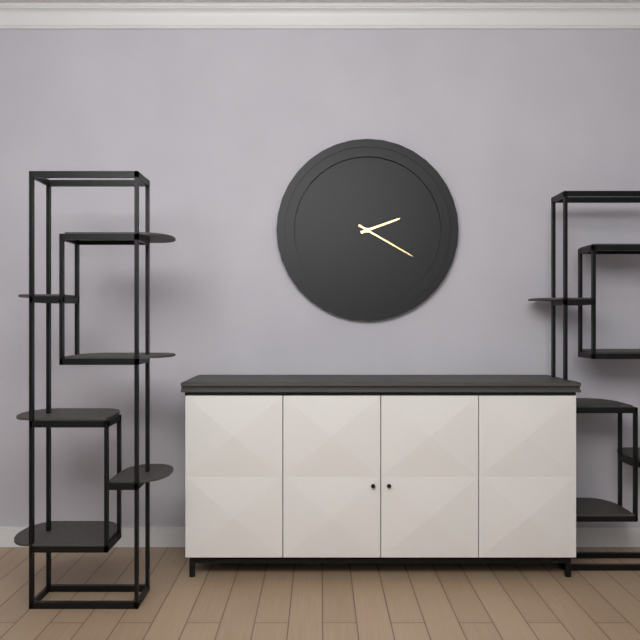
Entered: 2.20
